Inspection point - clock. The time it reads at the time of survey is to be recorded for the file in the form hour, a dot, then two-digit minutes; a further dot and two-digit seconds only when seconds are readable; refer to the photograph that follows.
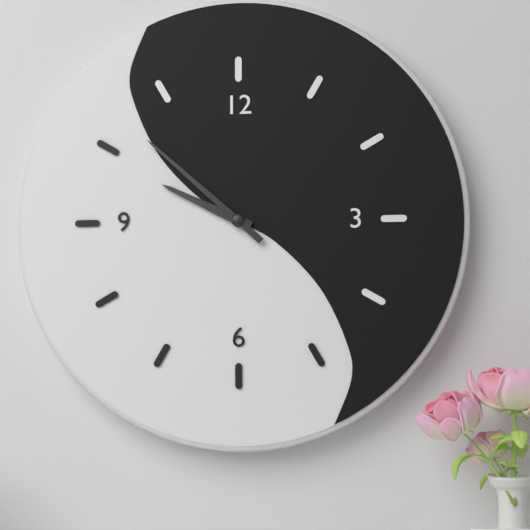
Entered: 9.52
